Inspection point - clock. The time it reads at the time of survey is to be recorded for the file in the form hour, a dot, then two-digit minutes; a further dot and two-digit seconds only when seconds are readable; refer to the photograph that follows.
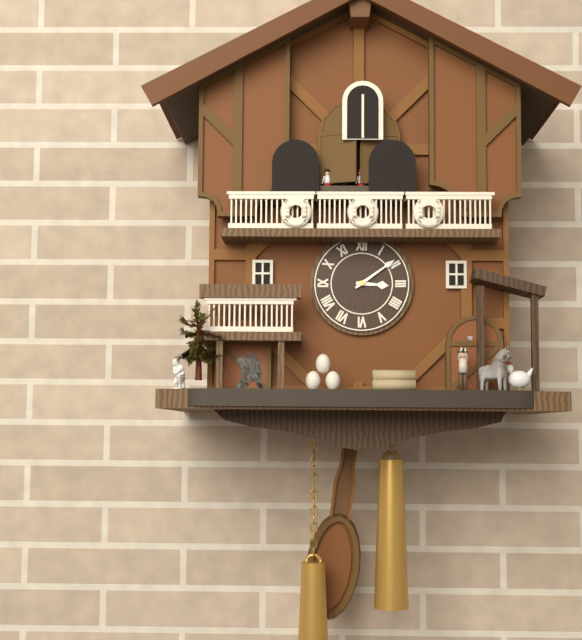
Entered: 3.09
